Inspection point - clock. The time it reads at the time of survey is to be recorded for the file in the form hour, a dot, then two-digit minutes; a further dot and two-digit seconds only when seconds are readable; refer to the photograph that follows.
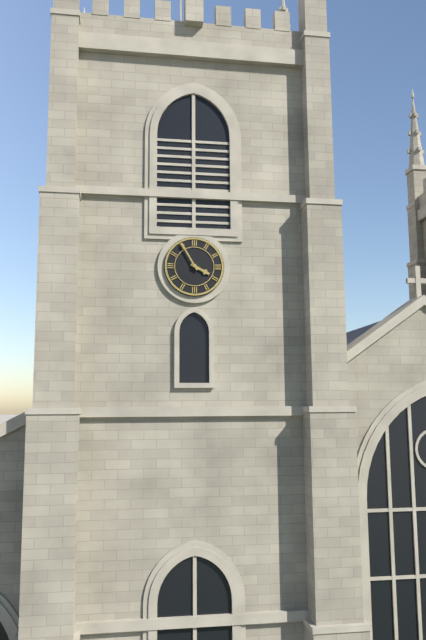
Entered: 3.55
